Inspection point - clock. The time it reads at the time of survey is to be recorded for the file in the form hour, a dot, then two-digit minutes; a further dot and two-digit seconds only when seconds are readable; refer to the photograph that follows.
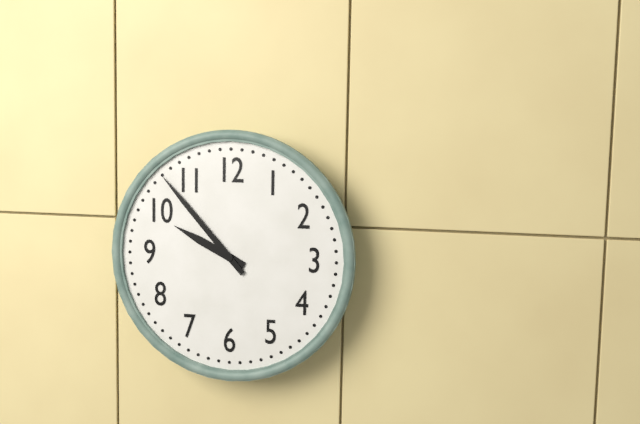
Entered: 9.53
